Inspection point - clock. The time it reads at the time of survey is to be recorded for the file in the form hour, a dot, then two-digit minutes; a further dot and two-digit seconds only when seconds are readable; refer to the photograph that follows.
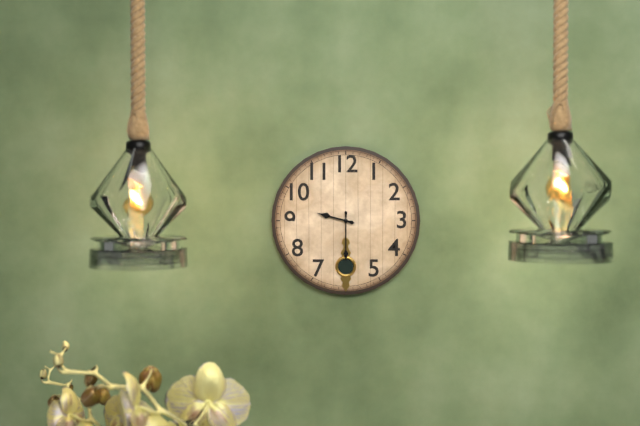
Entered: 9.30
